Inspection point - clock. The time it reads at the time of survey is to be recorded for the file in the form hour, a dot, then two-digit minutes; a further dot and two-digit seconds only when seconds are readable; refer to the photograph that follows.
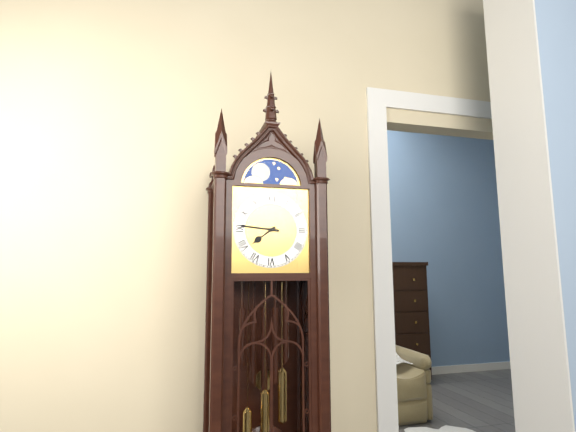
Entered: 7.46
